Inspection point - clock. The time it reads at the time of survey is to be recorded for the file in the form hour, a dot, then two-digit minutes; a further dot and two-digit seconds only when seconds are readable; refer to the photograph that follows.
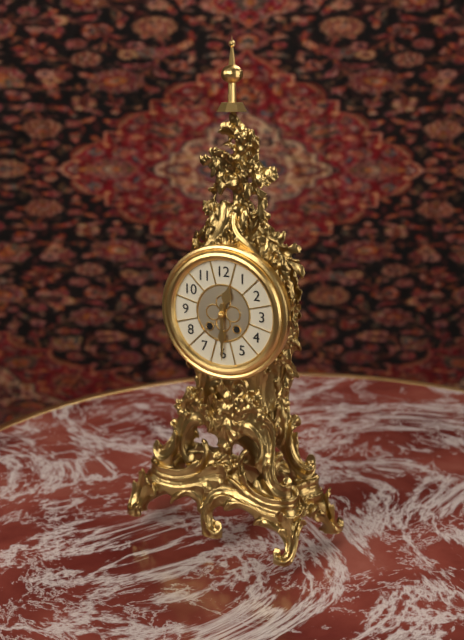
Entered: 12.30
